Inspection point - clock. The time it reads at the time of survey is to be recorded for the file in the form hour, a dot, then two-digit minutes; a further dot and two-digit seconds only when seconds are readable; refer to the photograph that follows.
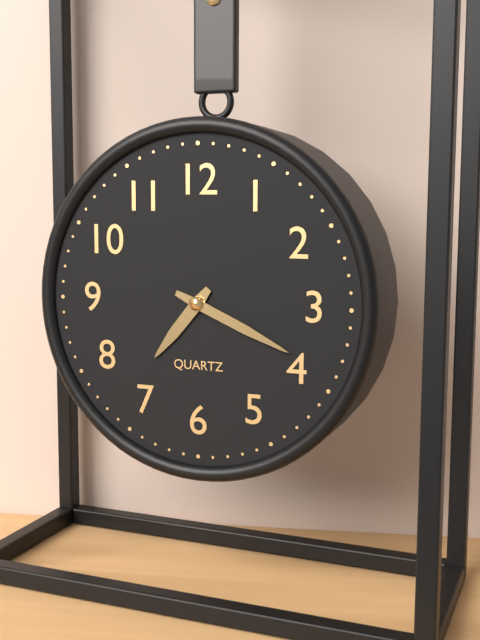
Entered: 7.19
